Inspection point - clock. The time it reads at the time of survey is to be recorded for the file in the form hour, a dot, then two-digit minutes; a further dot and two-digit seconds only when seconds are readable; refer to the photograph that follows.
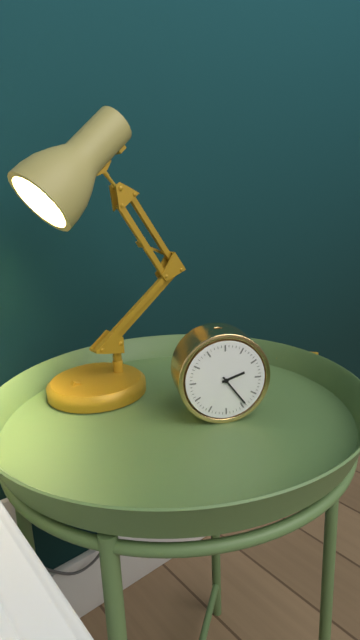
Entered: 2.24
